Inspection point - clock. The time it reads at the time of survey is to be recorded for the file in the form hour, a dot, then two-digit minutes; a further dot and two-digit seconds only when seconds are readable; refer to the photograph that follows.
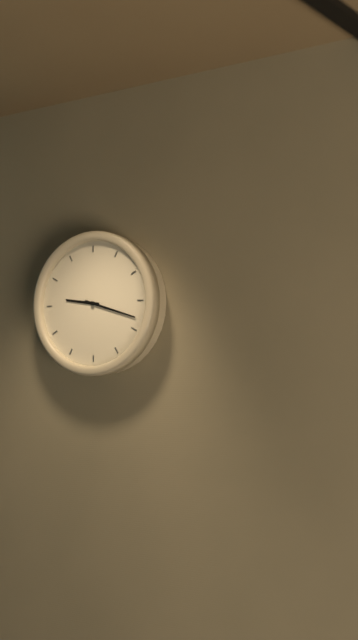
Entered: 9.18
